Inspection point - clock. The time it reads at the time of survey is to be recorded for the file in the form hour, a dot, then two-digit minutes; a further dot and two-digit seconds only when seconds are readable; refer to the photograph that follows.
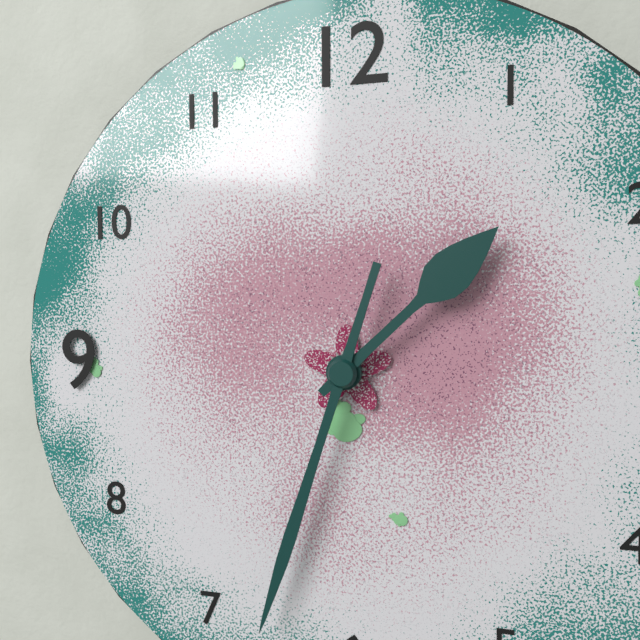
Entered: 1.33
